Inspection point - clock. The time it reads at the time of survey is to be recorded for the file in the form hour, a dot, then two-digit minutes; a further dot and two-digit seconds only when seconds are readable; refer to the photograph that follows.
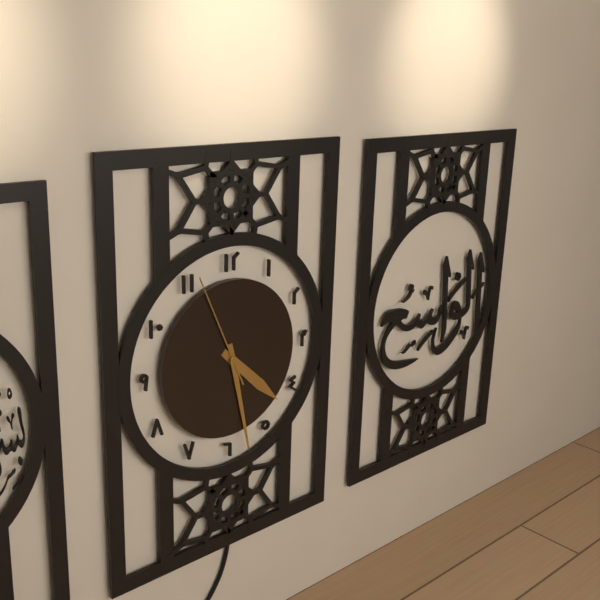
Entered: 4.28.56
